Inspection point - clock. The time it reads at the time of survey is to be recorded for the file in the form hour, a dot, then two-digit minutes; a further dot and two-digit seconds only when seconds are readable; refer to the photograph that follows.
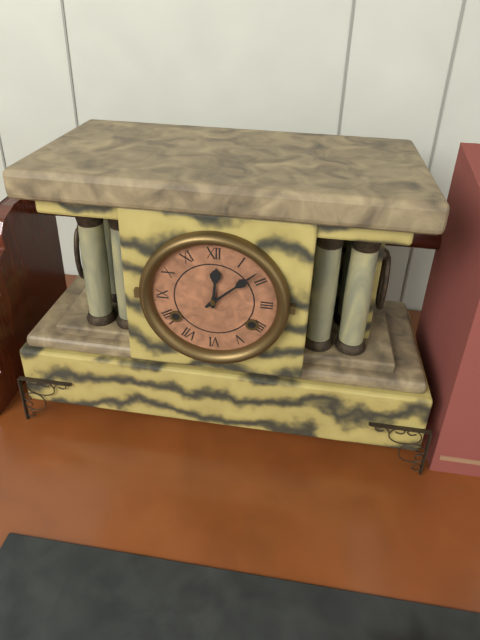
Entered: 12.08
